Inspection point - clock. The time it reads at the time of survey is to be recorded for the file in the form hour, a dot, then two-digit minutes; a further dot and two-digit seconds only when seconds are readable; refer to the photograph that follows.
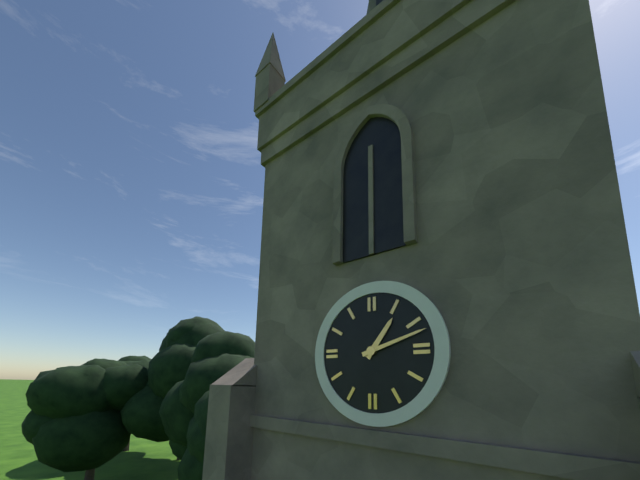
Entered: 1.12
